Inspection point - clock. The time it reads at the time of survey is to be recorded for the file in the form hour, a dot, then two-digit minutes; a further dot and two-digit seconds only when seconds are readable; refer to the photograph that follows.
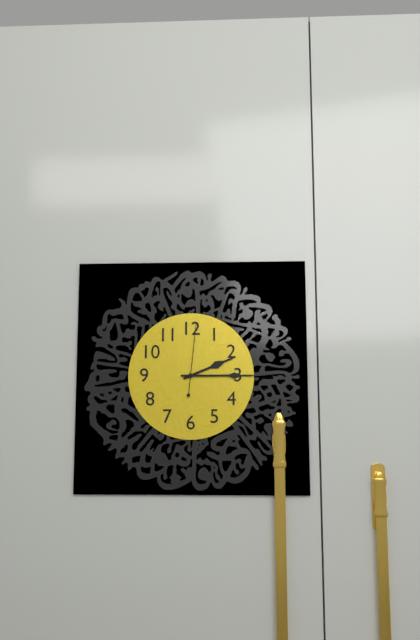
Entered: 2.15.01
